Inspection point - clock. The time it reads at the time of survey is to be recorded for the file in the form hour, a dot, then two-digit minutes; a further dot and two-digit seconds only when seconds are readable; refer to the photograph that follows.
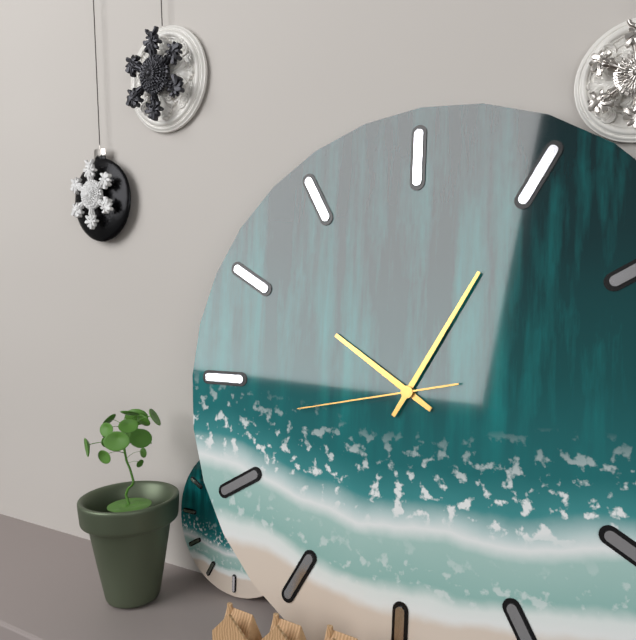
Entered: 10.05.43
